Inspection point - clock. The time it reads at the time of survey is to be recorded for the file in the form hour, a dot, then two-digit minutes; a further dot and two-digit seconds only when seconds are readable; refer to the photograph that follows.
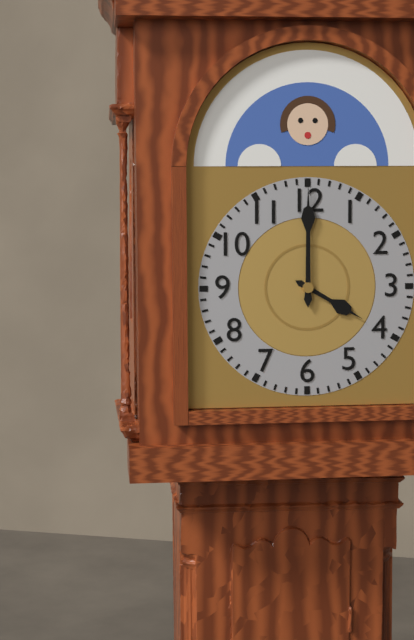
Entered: 4.00
